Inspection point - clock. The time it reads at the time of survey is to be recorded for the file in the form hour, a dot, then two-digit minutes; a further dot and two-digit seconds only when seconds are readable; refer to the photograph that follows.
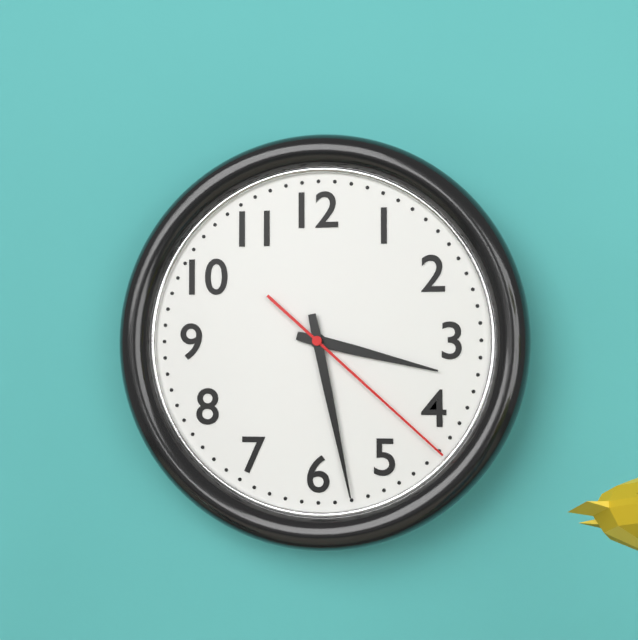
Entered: 3.28.22
